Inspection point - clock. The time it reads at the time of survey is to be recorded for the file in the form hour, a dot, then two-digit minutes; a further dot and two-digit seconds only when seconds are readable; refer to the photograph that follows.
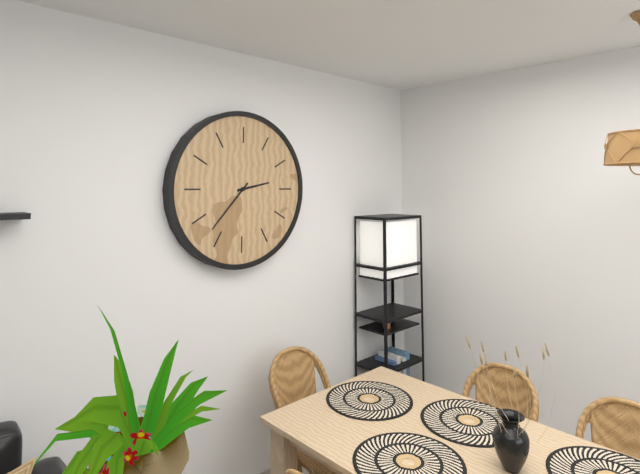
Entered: 2.37
